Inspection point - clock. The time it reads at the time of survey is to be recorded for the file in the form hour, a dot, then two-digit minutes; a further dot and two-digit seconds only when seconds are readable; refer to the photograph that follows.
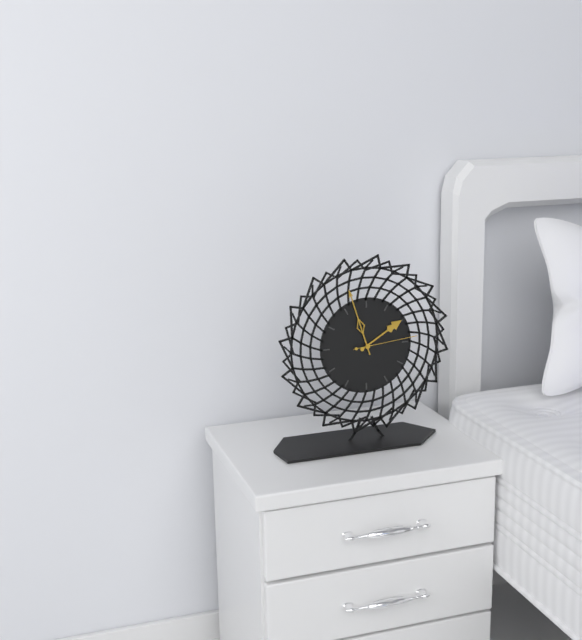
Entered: 1.57.14
